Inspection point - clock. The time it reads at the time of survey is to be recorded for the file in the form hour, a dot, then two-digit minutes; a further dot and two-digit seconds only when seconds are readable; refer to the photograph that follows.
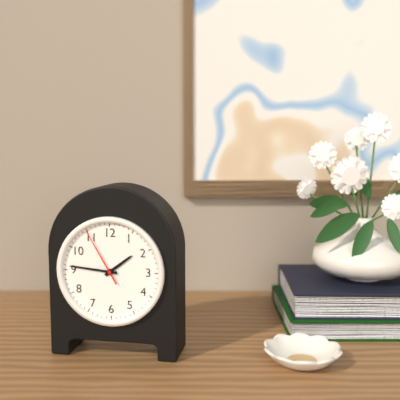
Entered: 1.46.55
